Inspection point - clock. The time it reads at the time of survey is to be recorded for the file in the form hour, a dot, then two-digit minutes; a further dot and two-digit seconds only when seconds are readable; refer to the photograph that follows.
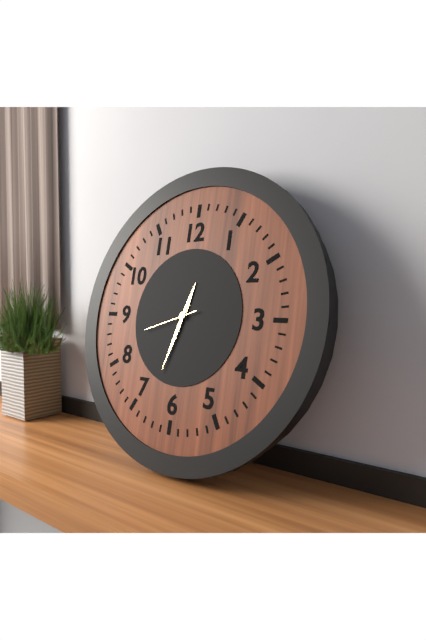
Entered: 12.33.42
